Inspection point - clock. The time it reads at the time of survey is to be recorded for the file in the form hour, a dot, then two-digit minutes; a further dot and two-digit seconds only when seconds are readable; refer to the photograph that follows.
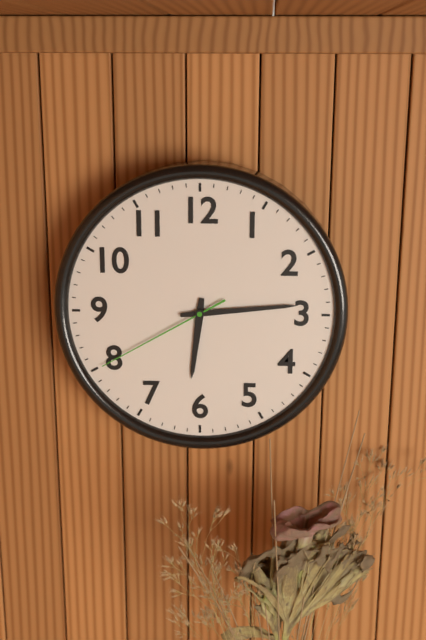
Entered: 6.14.40
